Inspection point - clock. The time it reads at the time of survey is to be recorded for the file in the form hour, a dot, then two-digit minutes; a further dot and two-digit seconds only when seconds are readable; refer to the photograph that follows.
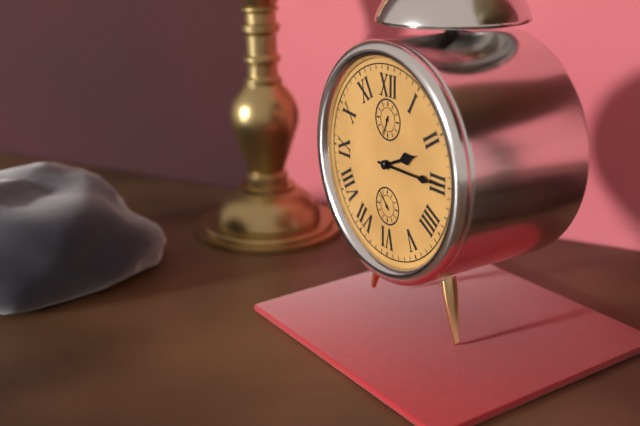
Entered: 2.15
